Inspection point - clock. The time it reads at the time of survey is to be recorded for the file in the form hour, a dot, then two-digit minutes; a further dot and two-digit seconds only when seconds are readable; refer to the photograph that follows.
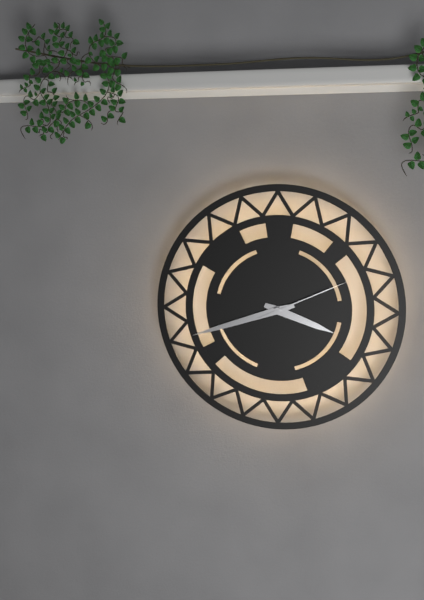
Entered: 3.42.11
